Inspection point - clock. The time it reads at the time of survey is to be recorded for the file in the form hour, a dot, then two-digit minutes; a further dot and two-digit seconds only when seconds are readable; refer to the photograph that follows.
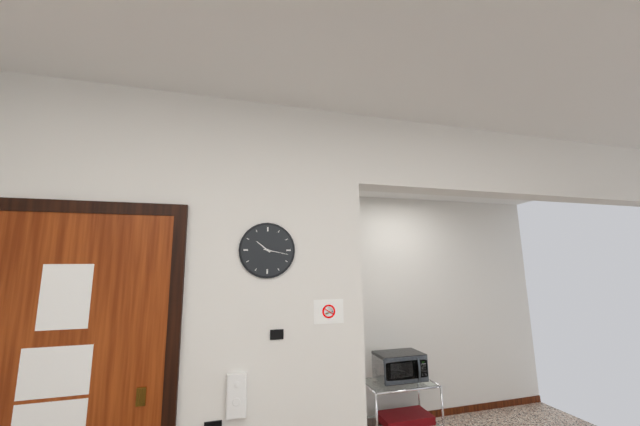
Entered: 10.17
